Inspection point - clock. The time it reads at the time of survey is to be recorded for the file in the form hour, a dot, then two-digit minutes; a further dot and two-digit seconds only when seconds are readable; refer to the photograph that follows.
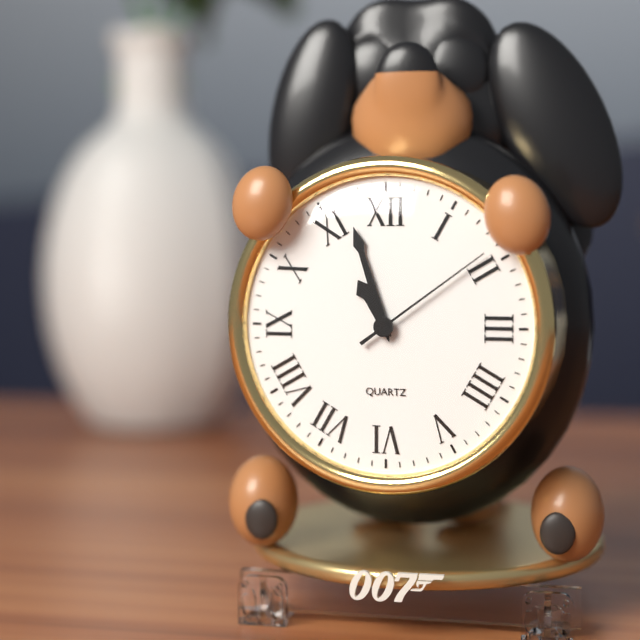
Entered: 10.57.09
